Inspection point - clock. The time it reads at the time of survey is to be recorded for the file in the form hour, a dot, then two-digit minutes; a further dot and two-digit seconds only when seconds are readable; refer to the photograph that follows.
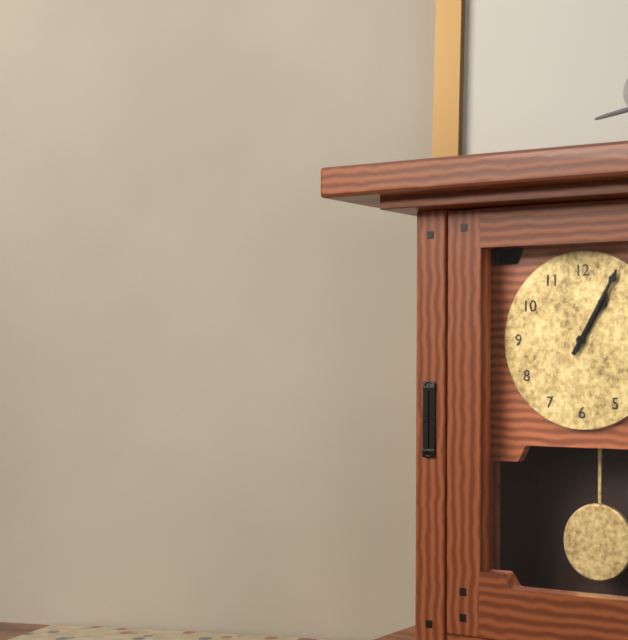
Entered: 1.05
